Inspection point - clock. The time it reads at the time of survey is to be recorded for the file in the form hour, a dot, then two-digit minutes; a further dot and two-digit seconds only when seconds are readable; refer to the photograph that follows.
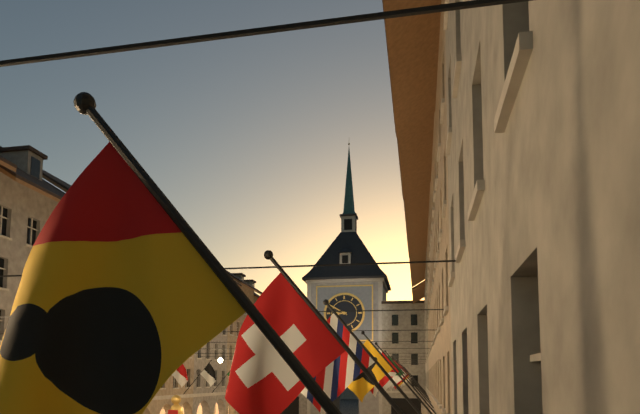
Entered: 8.50
